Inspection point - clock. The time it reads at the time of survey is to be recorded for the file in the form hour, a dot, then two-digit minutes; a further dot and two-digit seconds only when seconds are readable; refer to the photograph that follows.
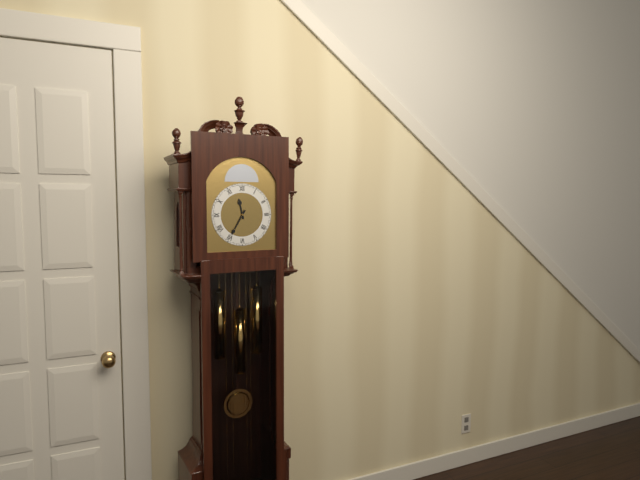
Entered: 11.35
